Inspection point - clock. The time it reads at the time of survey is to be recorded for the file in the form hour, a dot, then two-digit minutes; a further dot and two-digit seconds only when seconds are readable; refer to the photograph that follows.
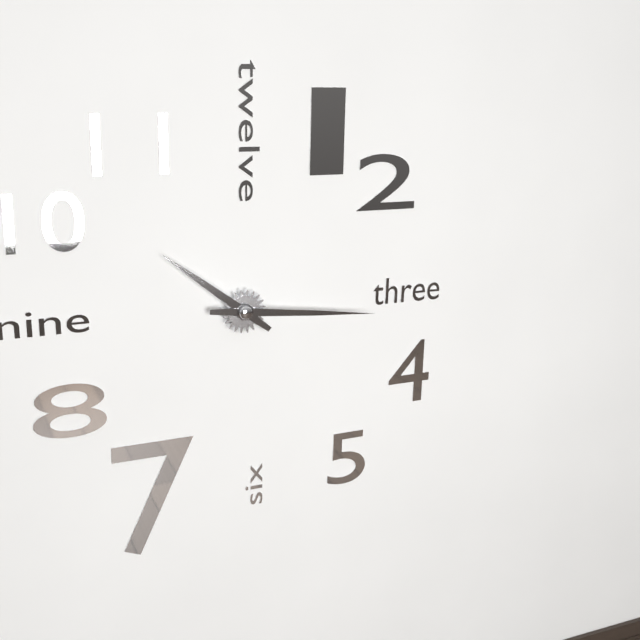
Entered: 10.16
